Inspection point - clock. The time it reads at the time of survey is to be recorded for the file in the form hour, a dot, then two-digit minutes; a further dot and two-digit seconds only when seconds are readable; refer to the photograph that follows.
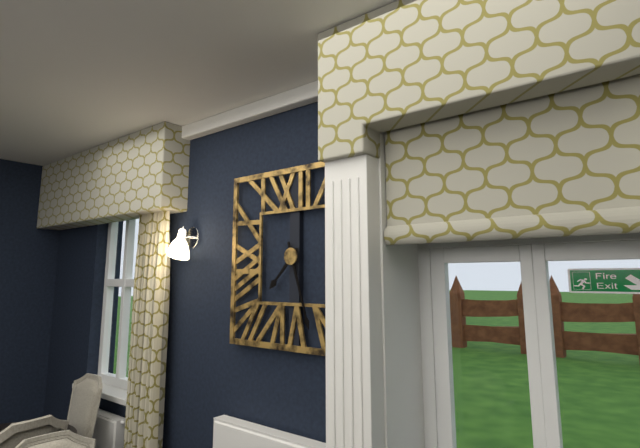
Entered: 7.27
